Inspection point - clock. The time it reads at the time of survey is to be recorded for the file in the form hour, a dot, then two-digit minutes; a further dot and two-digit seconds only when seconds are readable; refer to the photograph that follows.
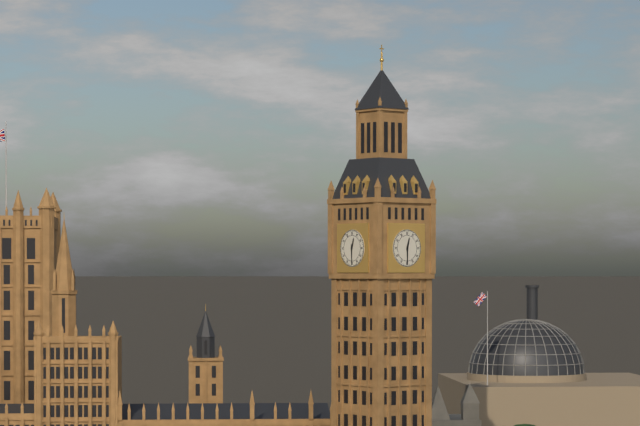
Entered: 12.30
